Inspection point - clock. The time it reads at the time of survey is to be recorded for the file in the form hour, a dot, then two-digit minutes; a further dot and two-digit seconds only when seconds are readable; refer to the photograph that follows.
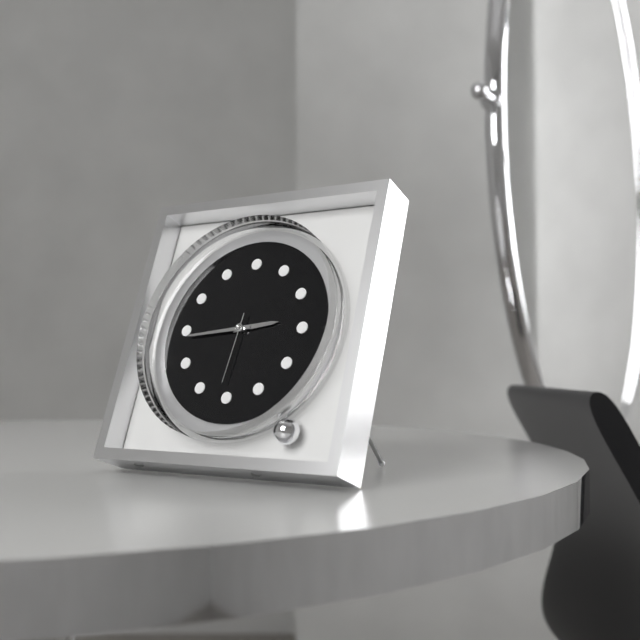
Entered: 2.44.31
